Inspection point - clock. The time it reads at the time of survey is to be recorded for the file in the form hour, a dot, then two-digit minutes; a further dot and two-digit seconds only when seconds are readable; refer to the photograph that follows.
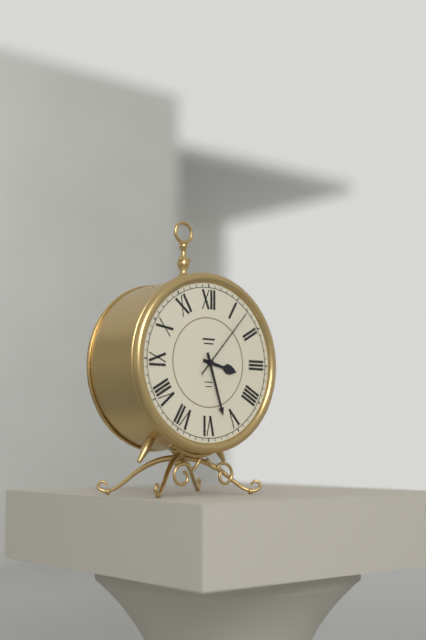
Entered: 3.27.07
